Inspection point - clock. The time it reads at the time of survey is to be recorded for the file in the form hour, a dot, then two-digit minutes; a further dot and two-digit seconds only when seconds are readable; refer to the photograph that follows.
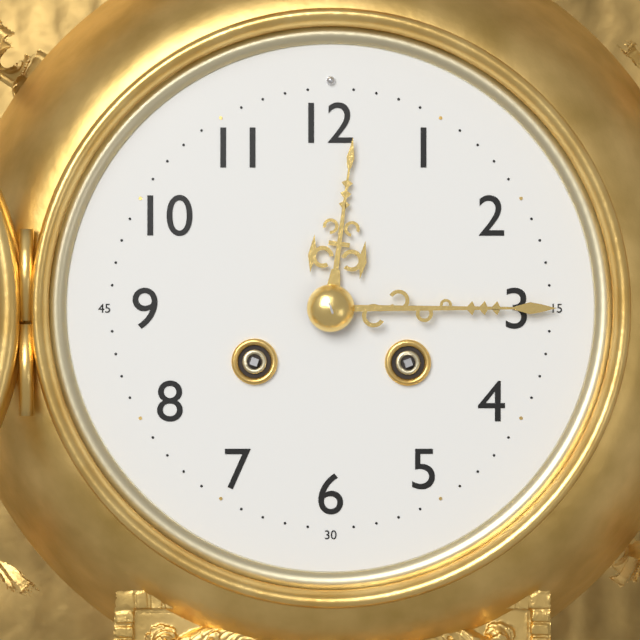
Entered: 12.15
